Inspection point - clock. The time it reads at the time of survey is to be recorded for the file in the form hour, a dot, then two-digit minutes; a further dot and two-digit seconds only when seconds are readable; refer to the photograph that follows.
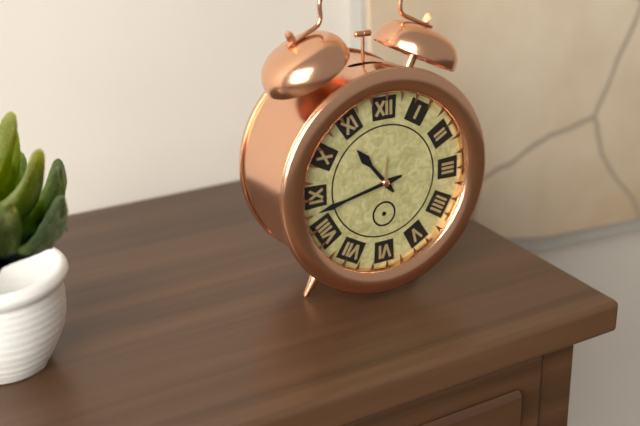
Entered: 10.43
